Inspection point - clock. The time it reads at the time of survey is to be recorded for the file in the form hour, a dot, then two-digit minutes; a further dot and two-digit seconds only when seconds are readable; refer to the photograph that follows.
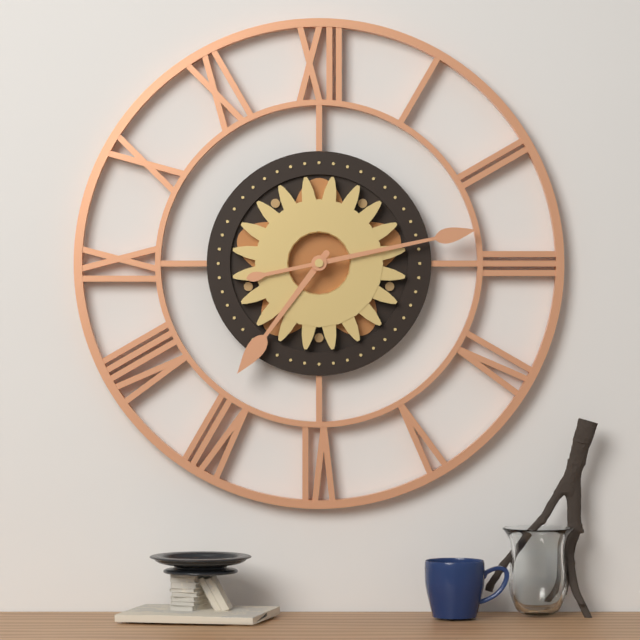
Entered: 7.13
